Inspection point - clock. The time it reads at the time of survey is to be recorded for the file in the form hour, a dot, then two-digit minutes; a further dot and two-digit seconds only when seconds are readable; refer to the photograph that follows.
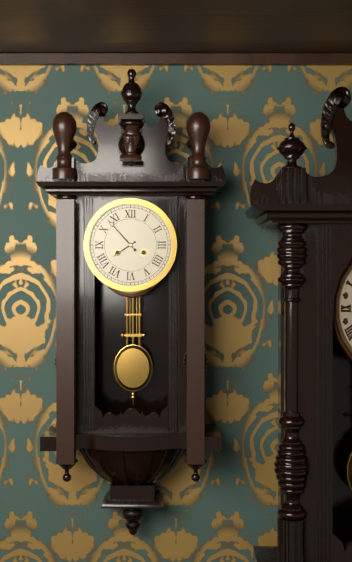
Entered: 7.53
